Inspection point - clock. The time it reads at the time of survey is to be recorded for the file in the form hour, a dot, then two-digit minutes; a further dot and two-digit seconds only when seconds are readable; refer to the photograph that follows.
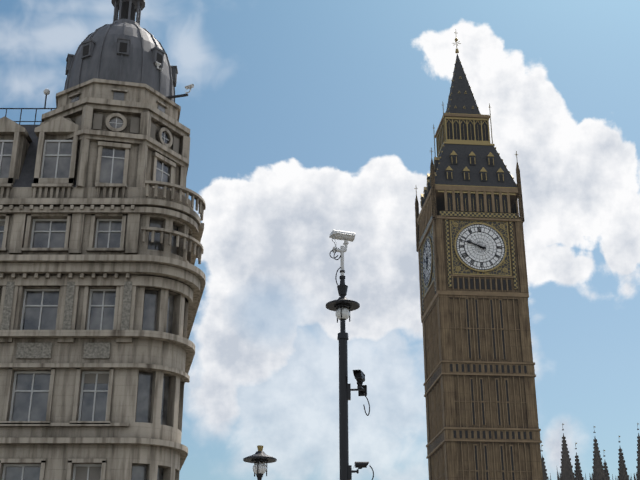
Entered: 9.48
